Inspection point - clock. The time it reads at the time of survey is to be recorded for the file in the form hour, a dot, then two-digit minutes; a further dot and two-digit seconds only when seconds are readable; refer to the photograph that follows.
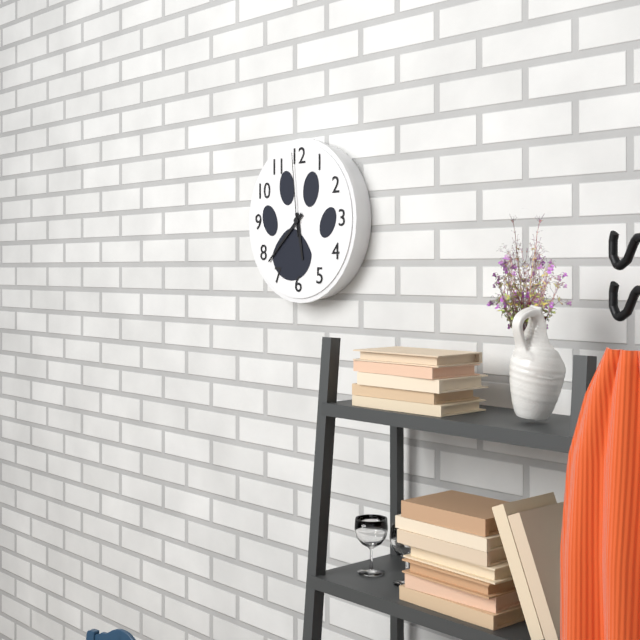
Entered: 5.38.59
